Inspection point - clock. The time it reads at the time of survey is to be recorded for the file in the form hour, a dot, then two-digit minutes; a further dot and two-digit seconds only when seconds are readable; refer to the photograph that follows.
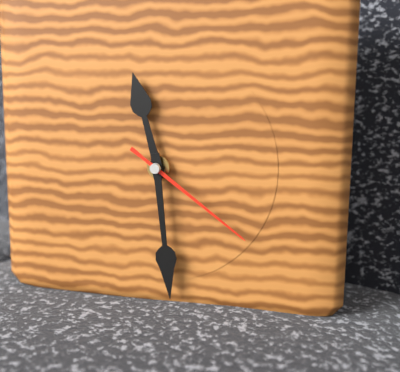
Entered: 11.29.21
